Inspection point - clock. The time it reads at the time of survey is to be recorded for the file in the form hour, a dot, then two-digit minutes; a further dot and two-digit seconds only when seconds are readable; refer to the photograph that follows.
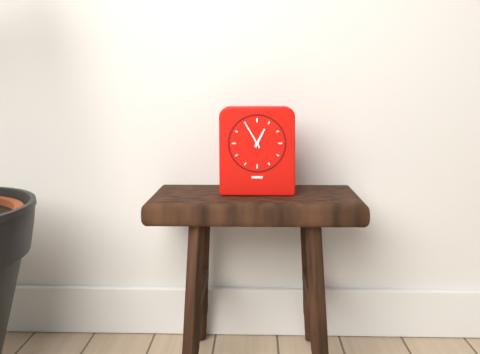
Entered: 12.55
